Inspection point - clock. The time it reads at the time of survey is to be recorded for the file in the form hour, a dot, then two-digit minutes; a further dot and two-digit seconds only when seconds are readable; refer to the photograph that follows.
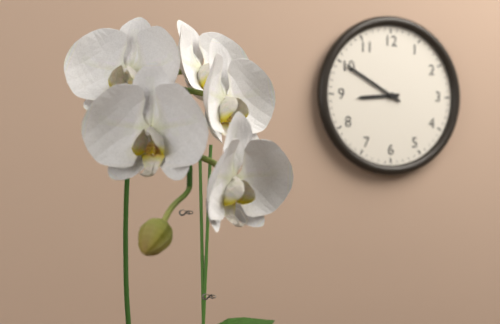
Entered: 8.50
